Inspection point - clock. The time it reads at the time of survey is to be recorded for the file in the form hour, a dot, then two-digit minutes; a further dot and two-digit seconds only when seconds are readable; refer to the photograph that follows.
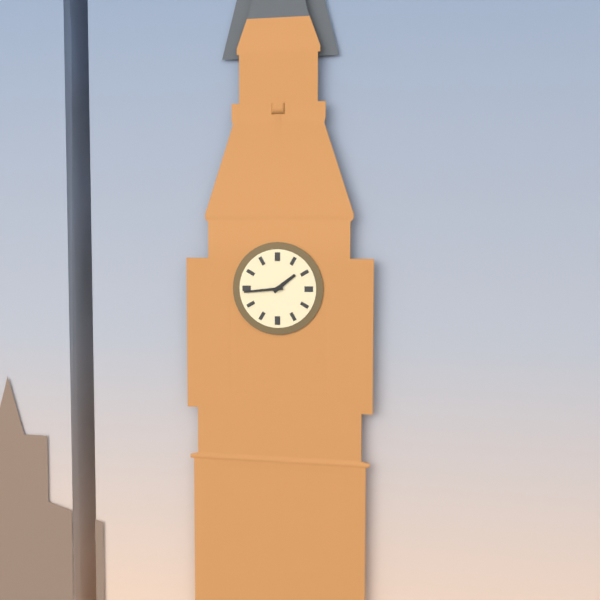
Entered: 1.44
